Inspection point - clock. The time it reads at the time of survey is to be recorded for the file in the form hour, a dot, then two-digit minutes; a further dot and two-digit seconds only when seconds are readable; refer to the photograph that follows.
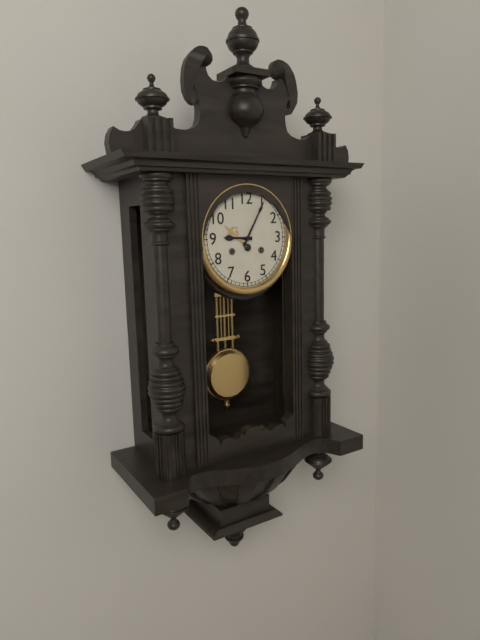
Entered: 9.05
